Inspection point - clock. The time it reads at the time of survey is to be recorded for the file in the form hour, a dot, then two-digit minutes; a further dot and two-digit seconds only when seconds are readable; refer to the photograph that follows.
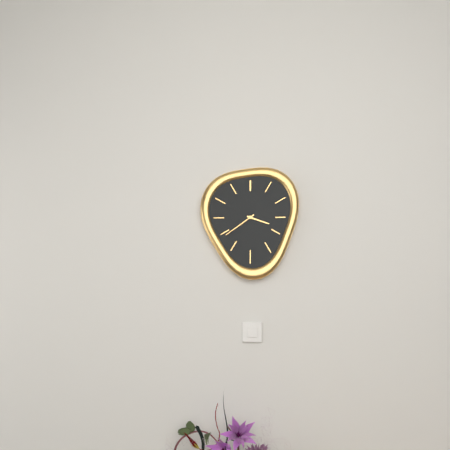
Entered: 3.39
